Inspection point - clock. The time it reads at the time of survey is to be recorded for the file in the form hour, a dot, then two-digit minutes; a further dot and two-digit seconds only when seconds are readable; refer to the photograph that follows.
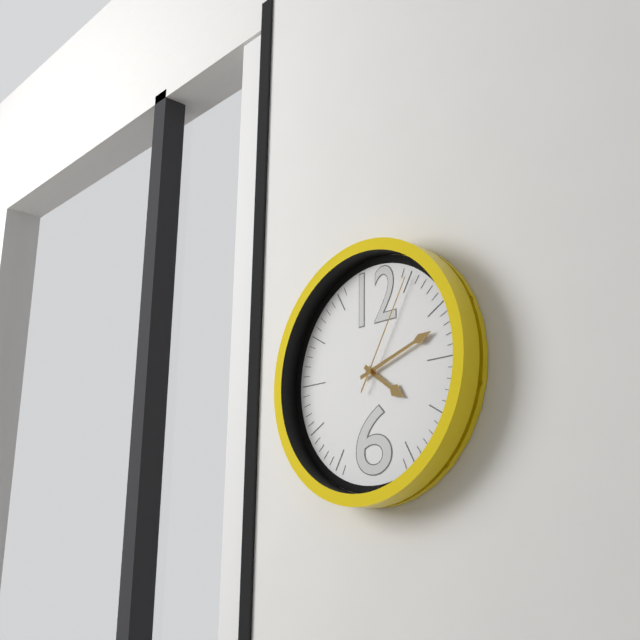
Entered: 4.12.05
